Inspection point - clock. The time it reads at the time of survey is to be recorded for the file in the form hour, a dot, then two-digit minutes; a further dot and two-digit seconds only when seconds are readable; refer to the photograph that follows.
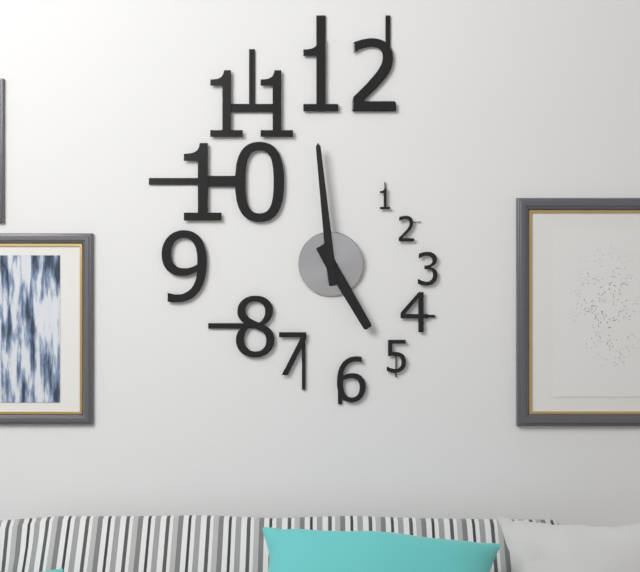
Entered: 4.59
